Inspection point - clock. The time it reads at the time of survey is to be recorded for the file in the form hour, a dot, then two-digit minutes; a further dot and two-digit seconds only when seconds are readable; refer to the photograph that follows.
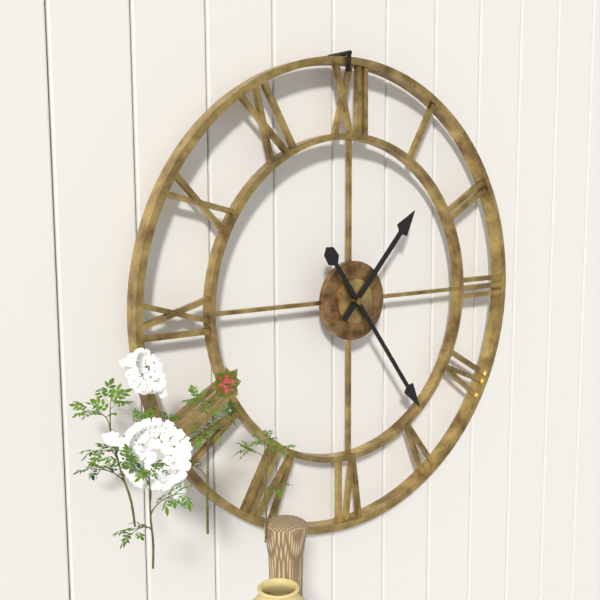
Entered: 1.24
